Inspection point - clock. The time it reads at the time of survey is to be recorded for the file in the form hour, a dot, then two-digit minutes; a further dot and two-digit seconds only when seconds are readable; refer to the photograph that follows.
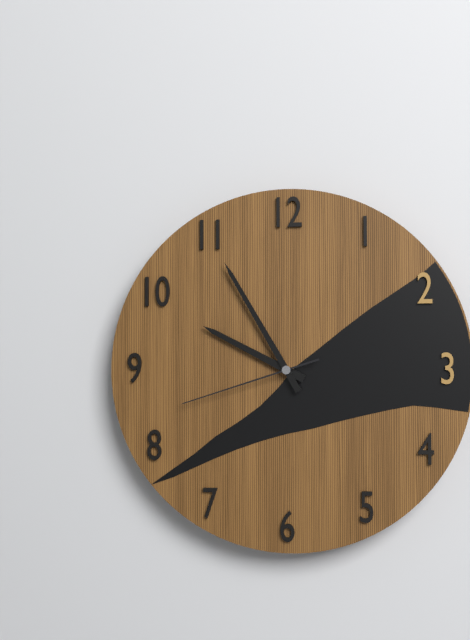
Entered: 9.55.42
